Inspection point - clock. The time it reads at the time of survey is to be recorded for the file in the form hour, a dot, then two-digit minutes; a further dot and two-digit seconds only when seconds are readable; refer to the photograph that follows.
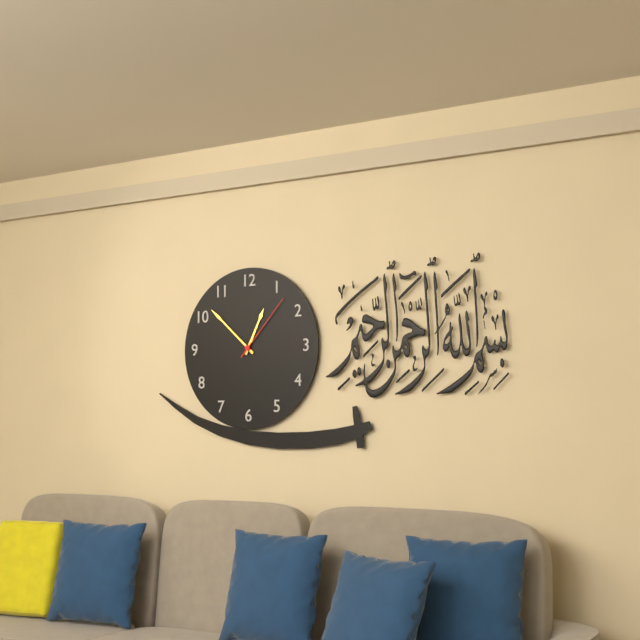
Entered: 12.52.07
